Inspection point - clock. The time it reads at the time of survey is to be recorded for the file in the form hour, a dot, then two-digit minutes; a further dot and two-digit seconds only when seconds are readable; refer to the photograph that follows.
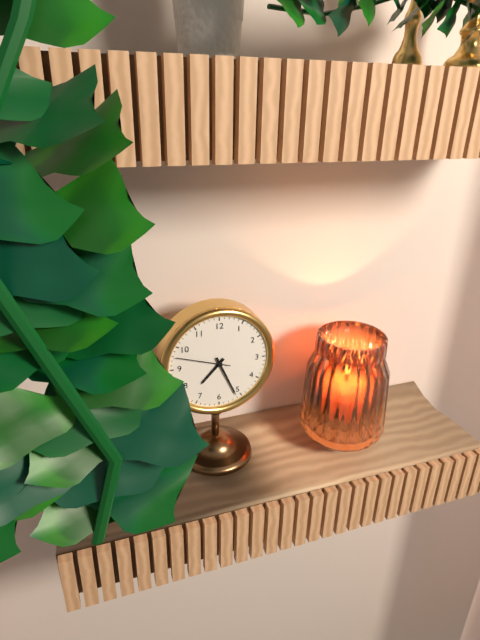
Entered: 7.26.48
